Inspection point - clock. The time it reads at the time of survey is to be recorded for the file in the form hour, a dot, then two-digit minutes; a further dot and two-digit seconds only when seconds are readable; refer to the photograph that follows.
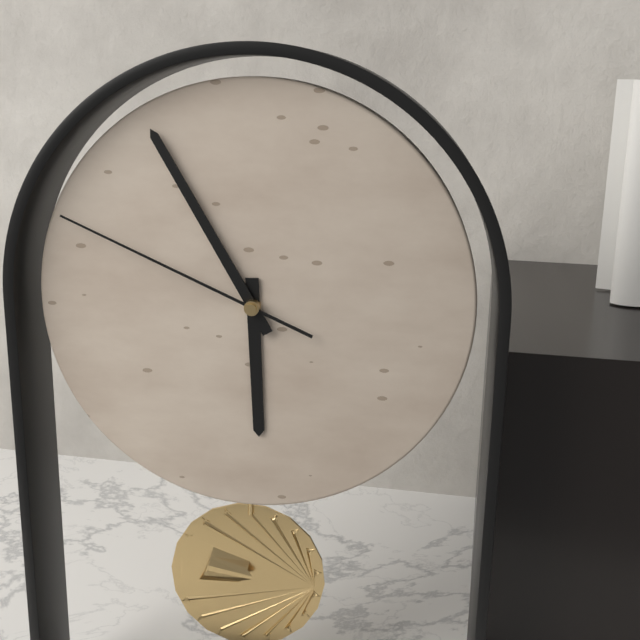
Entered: 5.55.49
